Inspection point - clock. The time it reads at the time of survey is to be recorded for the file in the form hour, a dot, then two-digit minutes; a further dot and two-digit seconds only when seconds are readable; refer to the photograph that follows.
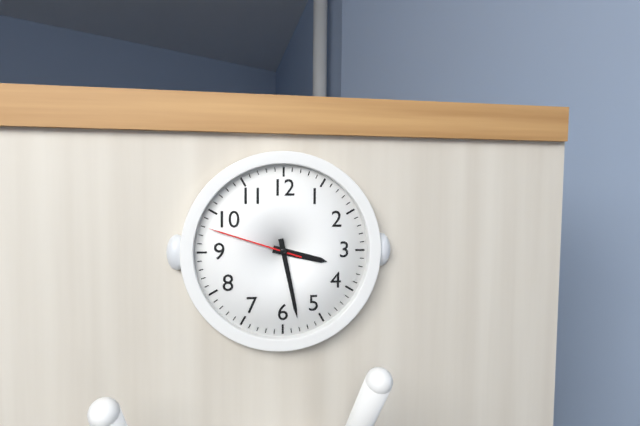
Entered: 3.28.48
